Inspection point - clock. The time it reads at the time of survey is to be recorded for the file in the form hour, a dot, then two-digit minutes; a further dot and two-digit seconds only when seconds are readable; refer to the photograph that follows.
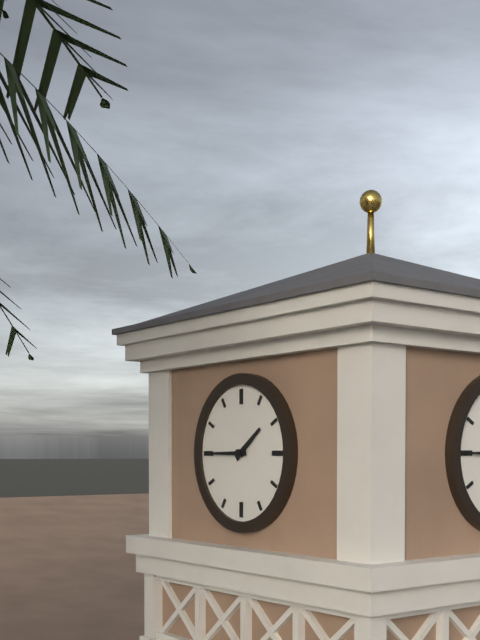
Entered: 1.45
